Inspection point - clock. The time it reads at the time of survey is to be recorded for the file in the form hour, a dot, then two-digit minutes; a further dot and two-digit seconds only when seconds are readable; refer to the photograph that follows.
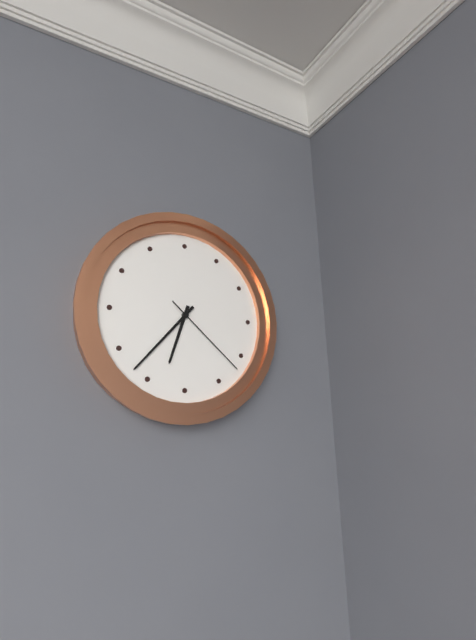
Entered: 6.37.22
